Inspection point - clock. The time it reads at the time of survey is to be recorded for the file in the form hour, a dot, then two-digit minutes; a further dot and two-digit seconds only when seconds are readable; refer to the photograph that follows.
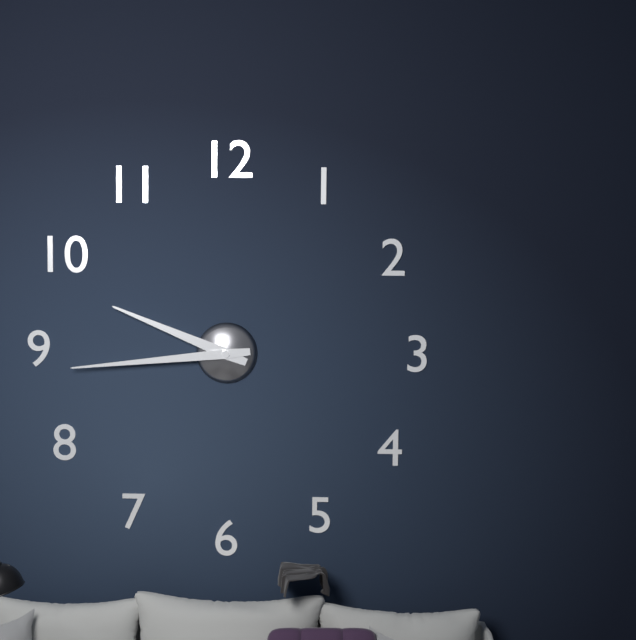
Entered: 9.44
